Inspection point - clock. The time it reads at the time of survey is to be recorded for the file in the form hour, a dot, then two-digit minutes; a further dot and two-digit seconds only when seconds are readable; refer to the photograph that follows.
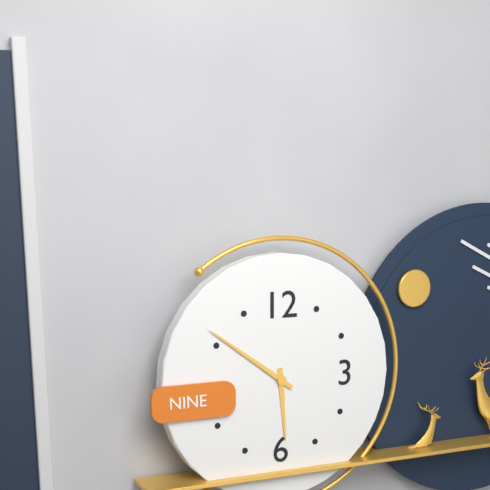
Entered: 5.51
